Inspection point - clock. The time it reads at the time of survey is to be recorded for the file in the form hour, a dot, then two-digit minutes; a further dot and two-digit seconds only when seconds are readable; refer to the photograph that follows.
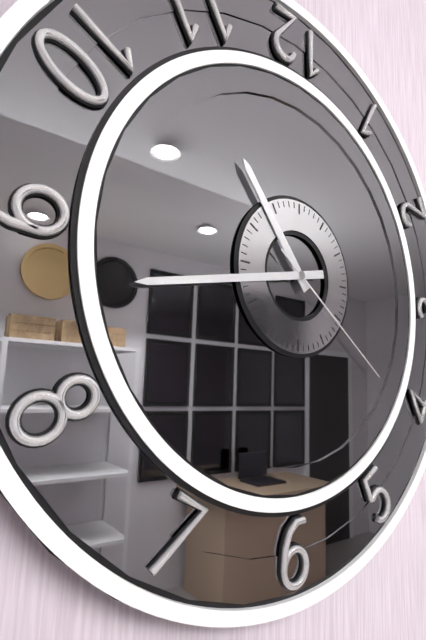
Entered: 10.43.21
